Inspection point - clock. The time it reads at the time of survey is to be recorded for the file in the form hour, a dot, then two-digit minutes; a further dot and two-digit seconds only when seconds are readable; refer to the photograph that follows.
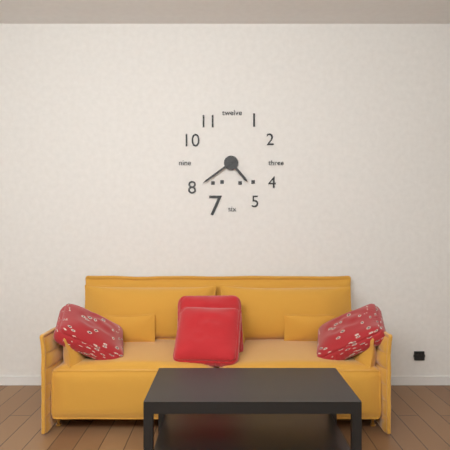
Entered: 4.39
